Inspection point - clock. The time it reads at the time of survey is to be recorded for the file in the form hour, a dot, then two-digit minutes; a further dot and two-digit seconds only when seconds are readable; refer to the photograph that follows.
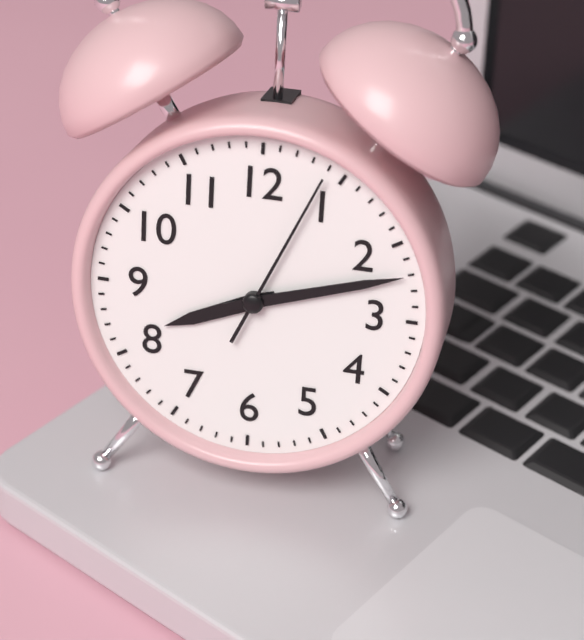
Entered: 8.12.04
